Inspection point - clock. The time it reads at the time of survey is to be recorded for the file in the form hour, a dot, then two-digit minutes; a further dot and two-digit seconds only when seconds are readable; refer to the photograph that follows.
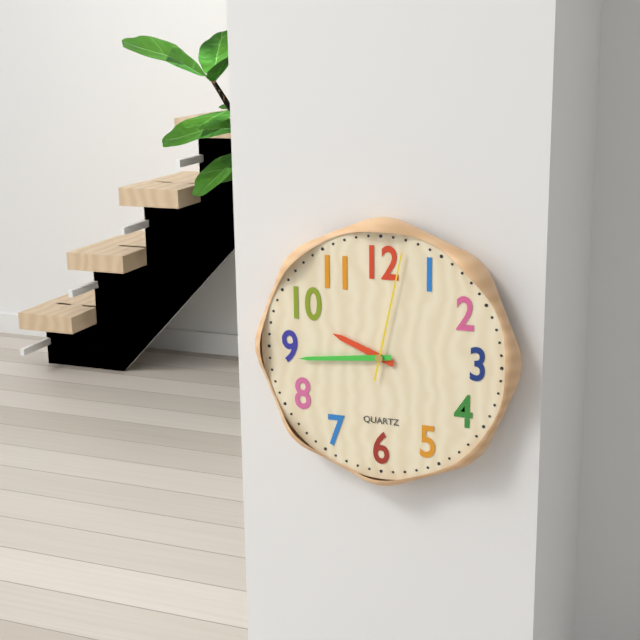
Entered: 9.44.02
